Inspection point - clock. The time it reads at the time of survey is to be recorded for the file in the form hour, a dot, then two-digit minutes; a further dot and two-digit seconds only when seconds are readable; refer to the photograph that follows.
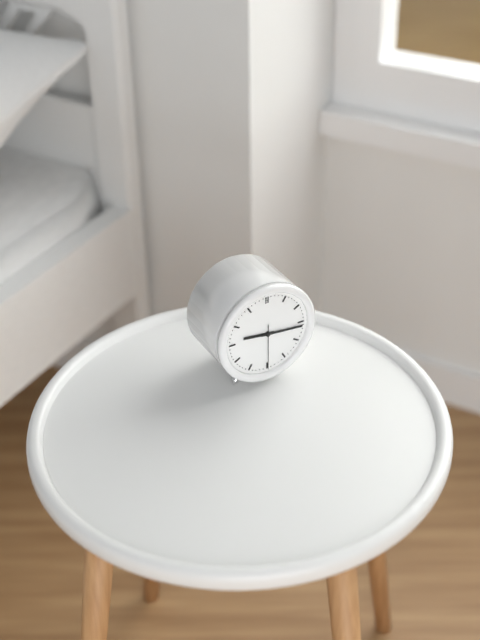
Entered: 9.16
